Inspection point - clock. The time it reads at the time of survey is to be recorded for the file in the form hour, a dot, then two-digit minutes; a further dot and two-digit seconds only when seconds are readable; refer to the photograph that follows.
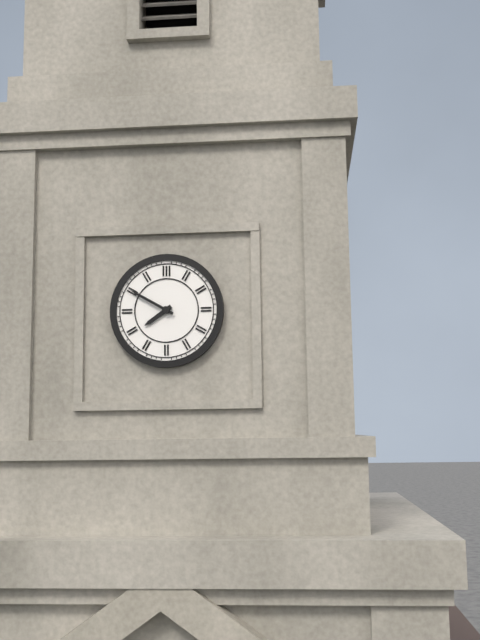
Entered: 7.50
